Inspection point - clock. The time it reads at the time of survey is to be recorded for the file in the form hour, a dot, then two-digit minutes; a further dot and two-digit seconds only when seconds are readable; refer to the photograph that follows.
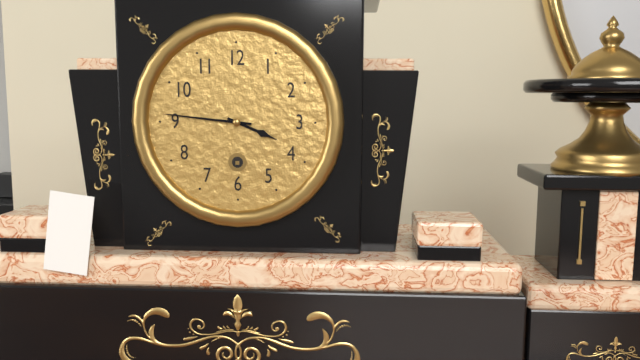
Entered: 3.46
